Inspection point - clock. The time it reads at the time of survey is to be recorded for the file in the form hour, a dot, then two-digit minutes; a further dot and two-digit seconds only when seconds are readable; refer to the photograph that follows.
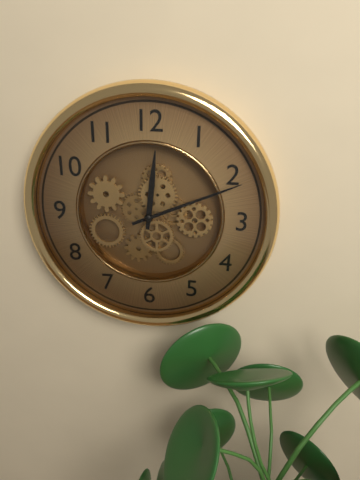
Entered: 12.11
